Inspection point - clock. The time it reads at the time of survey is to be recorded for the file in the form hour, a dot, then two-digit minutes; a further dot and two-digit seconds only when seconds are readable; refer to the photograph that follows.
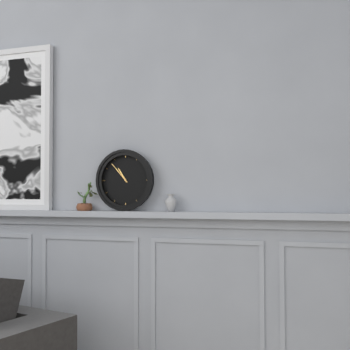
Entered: 10.53
